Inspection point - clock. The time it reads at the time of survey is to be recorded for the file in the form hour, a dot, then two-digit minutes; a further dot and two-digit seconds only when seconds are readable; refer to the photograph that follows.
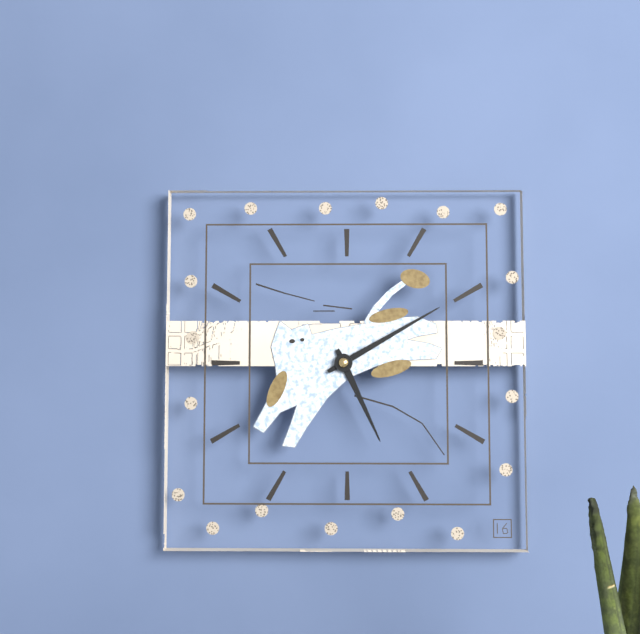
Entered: 5.10
